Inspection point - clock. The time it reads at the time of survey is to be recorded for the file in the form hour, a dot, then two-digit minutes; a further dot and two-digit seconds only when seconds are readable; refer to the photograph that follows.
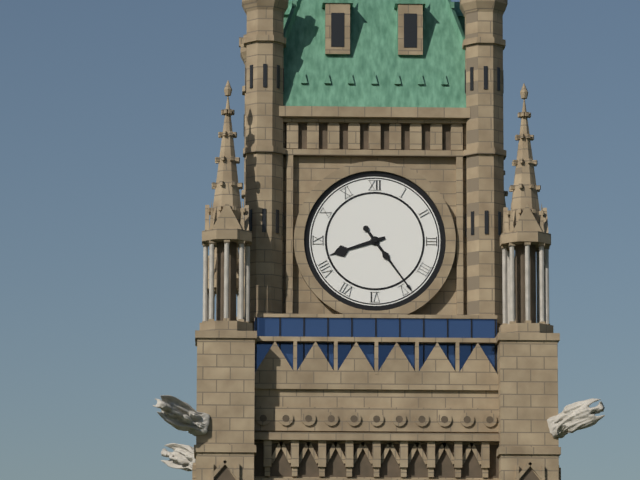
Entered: 8.24
